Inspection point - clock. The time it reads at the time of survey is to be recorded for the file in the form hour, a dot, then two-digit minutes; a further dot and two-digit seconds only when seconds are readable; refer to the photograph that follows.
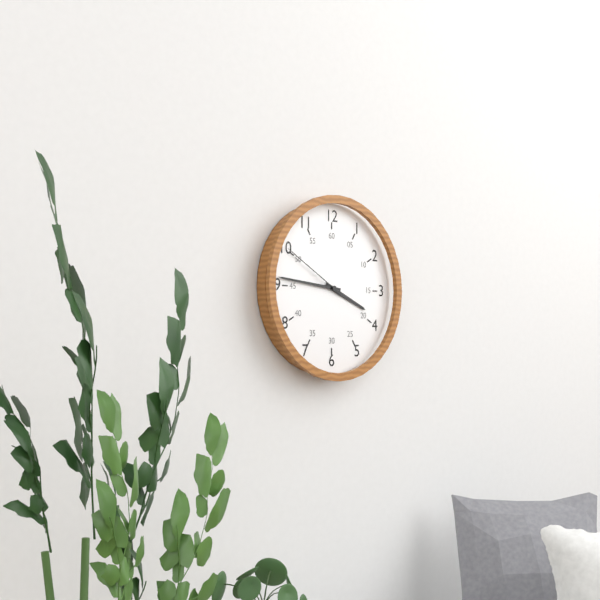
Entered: 3.46.50
